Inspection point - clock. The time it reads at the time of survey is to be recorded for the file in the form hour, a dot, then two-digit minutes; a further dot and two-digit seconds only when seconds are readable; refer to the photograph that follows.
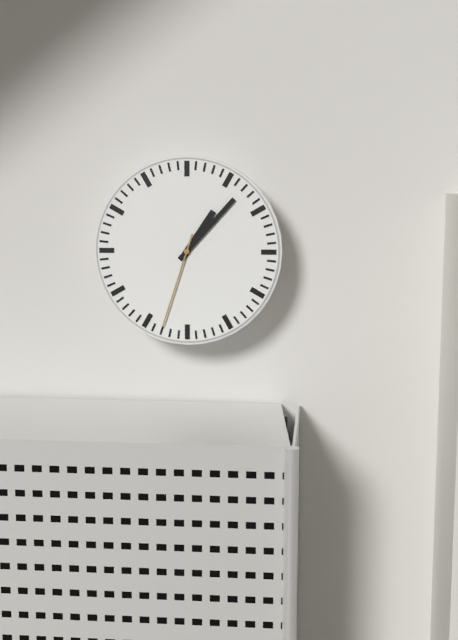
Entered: 1.07.33
